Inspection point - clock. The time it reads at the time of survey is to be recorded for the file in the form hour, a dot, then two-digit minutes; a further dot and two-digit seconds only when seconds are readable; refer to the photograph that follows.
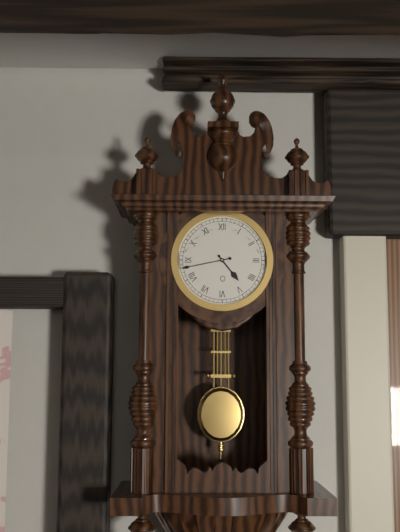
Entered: 4.43
